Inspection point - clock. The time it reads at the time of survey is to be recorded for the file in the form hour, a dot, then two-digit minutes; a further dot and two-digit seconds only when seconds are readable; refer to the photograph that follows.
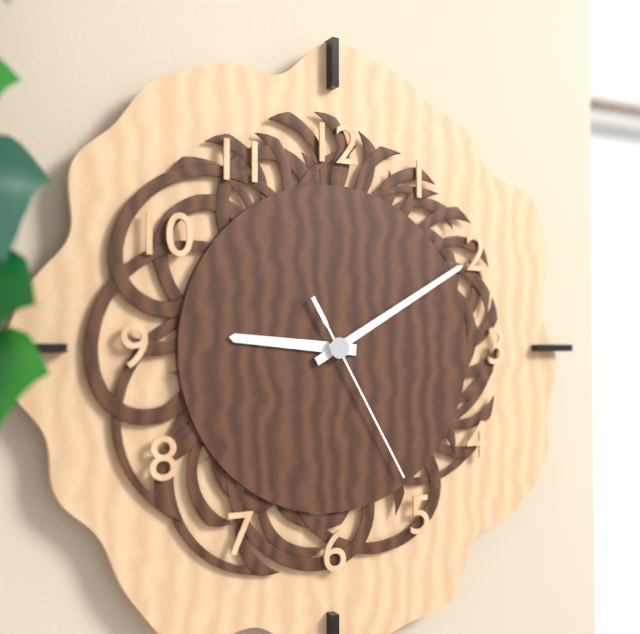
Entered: 9.10.25
